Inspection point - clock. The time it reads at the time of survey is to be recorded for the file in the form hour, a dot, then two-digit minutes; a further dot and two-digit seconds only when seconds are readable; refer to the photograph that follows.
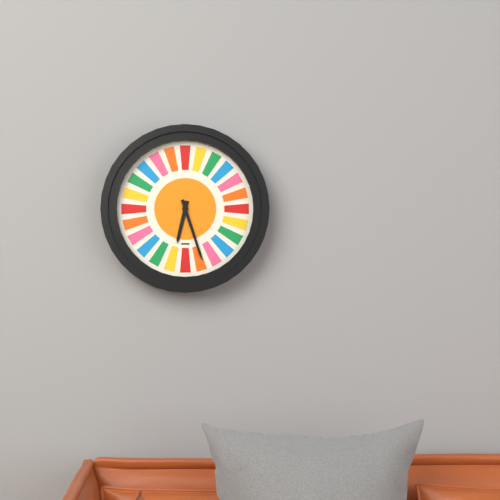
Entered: 6.27
